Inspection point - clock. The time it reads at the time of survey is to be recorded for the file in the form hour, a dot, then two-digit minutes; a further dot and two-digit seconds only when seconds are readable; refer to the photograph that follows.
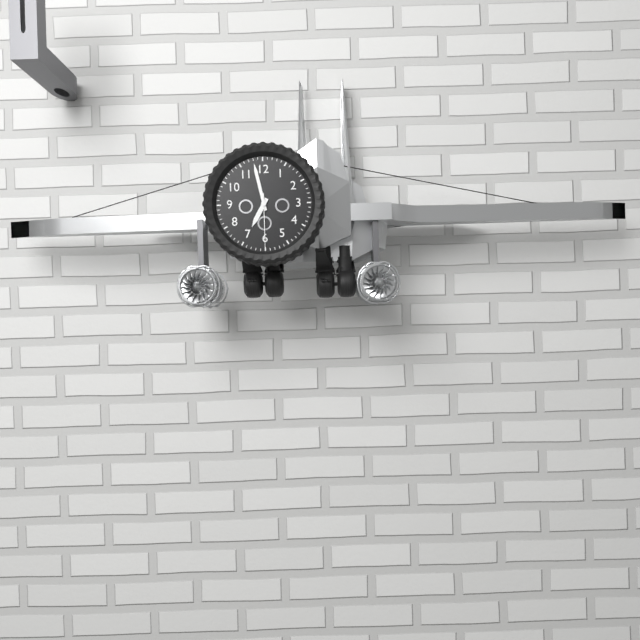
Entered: 6.58.30
